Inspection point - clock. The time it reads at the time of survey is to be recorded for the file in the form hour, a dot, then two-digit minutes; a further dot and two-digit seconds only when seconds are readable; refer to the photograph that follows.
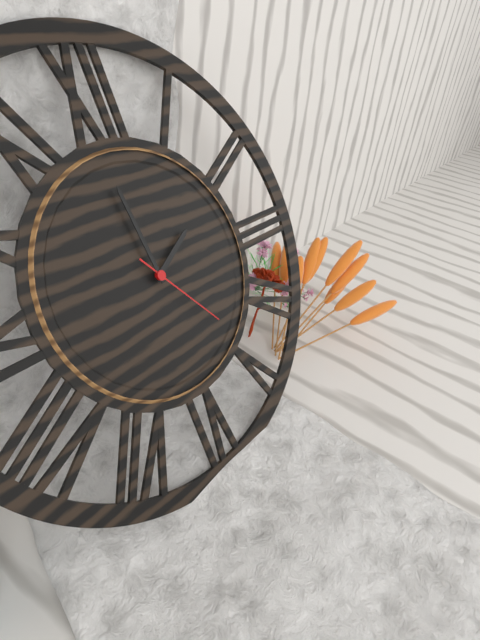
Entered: 1.59.24
